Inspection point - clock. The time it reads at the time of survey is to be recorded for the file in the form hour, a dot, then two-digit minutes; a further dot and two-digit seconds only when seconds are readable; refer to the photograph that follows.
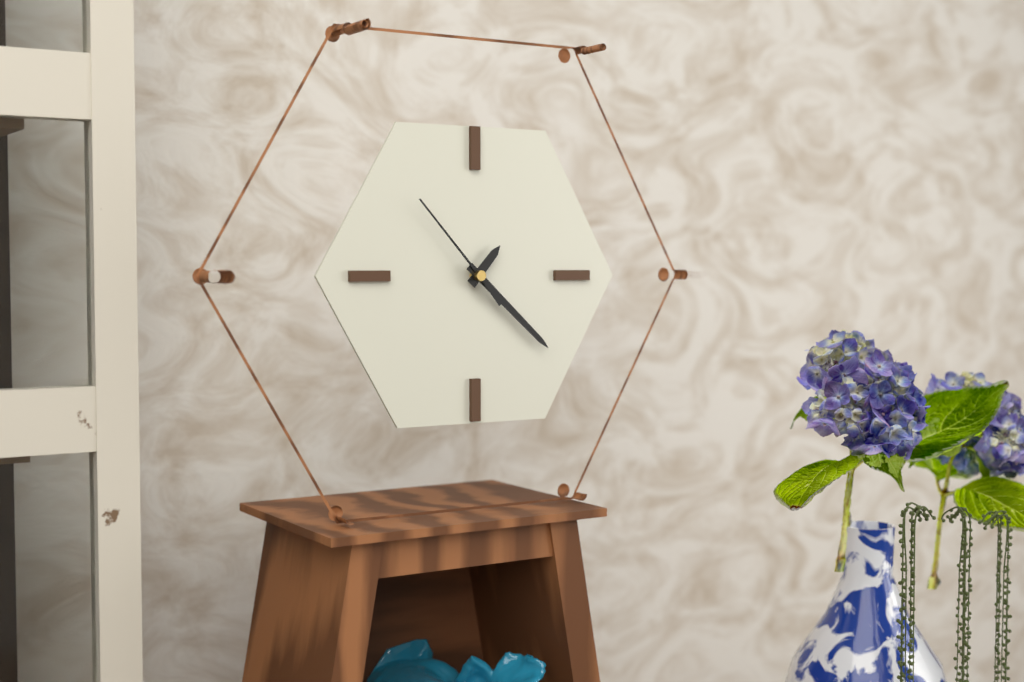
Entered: 1.22.53
